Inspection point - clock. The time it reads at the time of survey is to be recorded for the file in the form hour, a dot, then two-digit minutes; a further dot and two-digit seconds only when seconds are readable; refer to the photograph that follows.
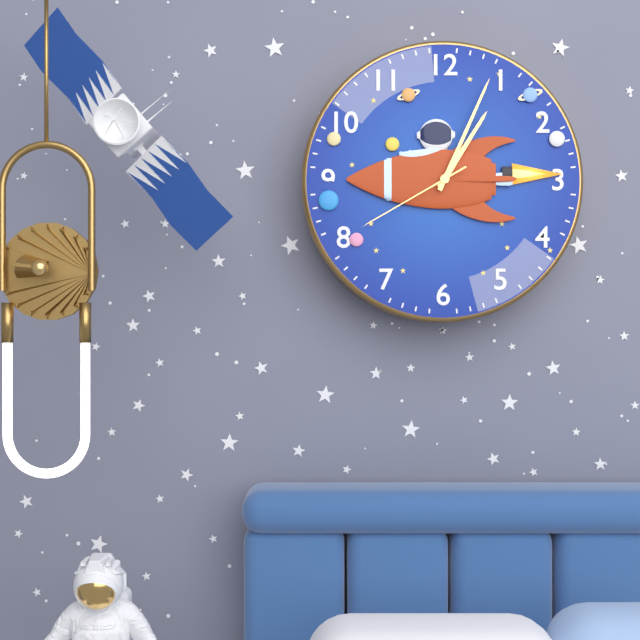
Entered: 1.04.40
